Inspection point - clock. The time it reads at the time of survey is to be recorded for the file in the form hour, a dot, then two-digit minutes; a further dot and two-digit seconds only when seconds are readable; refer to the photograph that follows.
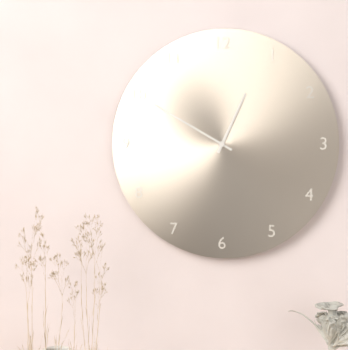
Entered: 12.50
